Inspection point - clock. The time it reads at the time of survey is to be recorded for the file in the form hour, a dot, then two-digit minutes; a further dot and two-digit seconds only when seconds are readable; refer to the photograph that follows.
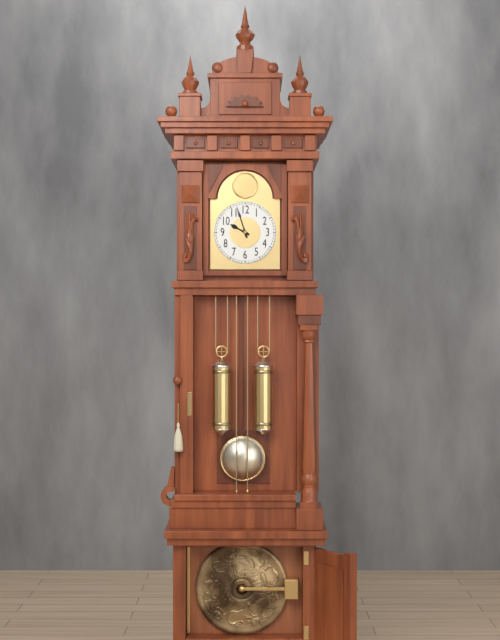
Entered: 9.57
